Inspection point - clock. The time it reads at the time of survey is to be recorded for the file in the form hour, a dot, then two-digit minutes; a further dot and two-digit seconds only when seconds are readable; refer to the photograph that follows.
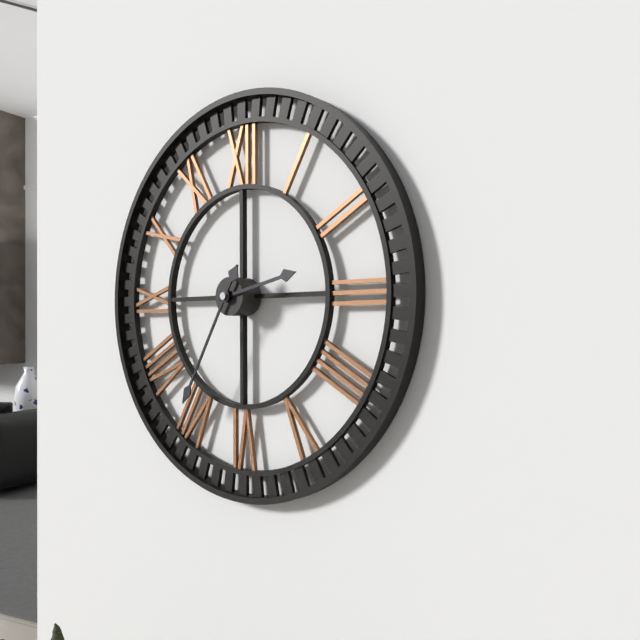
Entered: 2.35
